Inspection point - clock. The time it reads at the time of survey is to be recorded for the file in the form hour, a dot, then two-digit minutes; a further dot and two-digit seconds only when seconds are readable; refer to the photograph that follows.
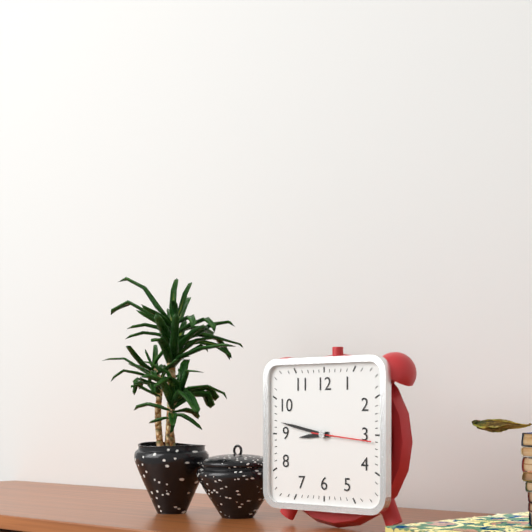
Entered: 8.47.16
